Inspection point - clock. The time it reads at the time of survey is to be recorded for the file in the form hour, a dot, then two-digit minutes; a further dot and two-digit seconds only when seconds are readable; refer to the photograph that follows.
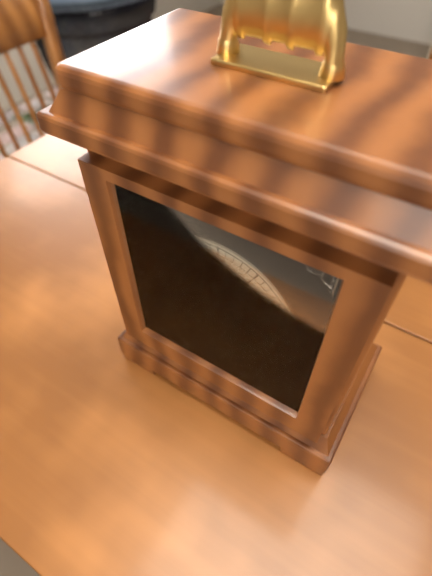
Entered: 11.49
